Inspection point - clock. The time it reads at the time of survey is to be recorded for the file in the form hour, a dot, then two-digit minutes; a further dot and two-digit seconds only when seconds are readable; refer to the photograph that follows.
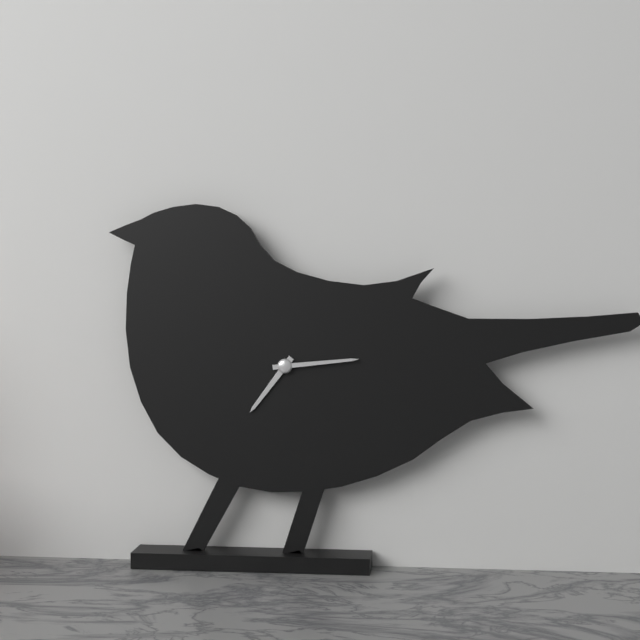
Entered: 7.14
